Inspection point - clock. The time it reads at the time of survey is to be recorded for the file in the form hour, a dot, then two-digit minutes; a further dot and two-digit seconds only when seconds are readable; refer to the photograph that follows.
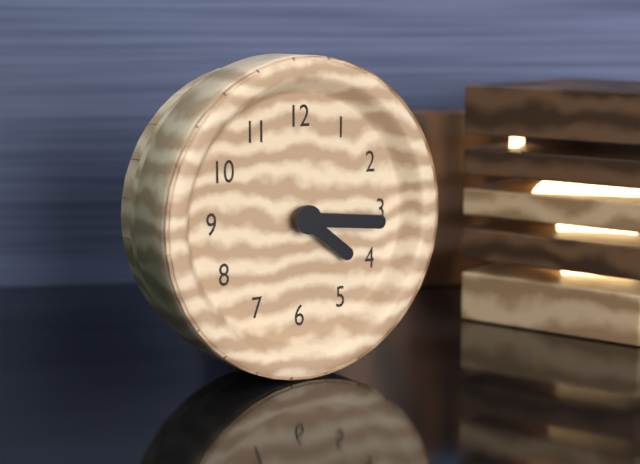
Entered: 4.16
